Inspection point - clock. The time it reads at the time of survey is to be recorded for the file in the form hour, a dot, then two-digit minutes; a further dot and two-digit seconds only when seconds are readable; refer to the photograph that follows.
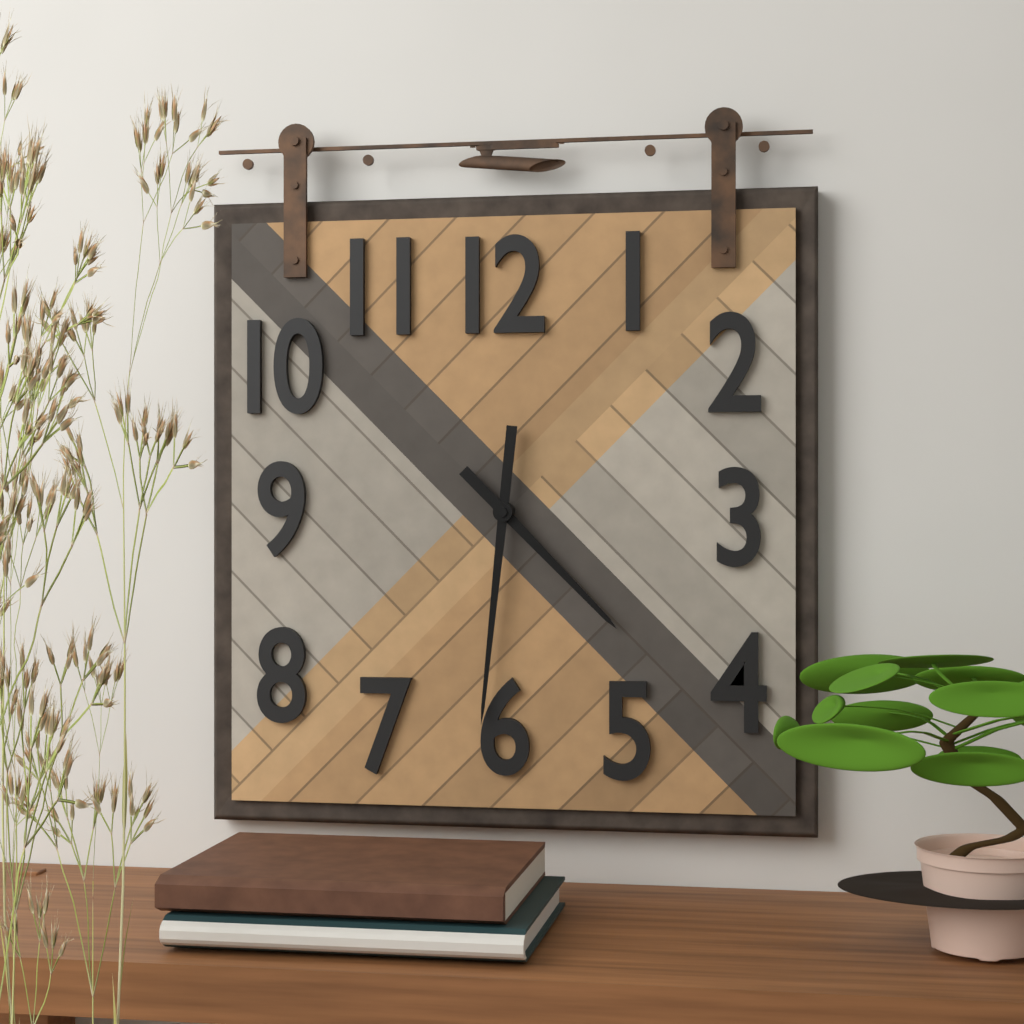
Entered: 4.31
